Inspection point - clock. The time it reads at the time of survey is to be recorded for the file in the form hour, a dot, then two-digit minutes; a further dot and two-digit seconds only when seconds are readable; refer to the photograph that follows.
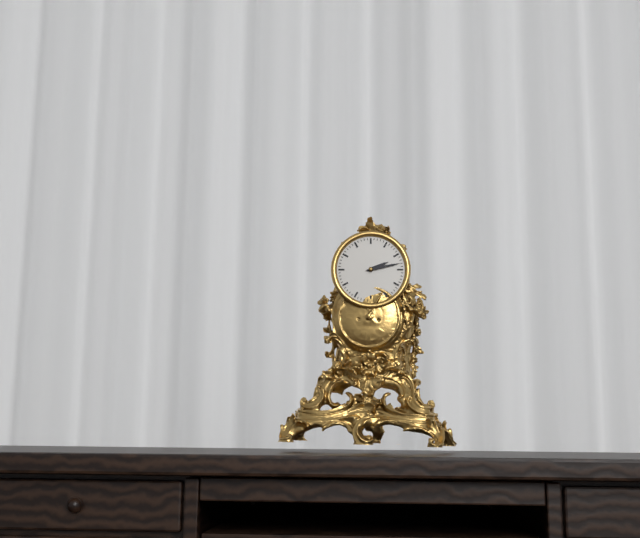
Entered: 2.13
